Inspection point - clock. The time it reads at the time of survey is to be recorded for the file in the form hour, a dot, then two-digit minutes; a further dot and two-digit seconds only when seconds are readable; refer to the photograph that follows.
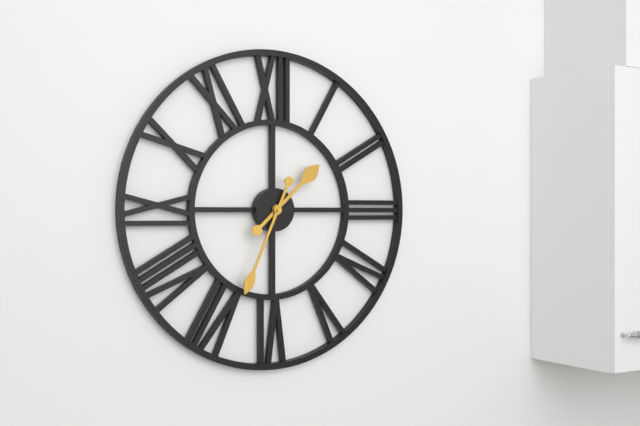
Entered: 1.34
